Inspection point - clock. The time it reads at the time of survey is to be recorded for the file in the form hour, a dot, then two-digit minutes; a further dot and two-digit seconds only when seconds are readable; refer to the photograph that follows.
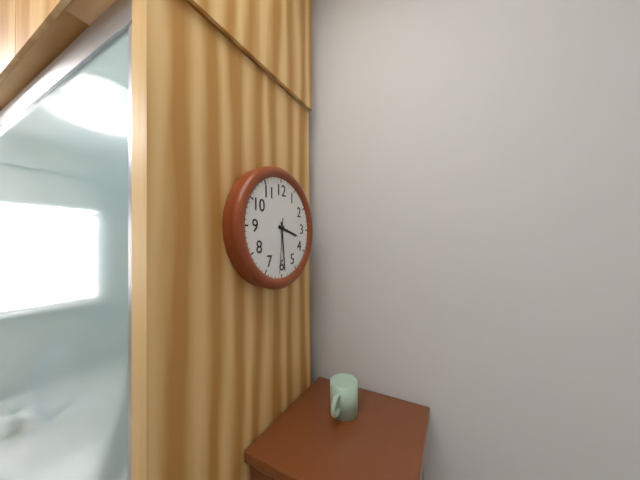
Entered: 3.29.31
